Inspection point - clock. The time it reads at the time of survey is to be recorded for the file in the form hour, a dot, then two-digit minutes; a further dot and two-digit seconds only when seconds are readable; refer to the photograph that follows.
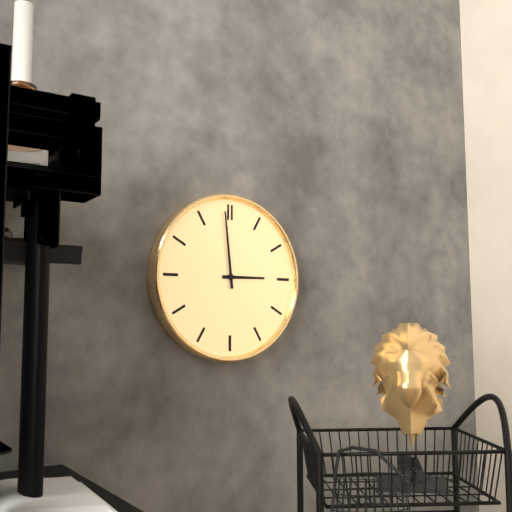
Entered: 2.59
